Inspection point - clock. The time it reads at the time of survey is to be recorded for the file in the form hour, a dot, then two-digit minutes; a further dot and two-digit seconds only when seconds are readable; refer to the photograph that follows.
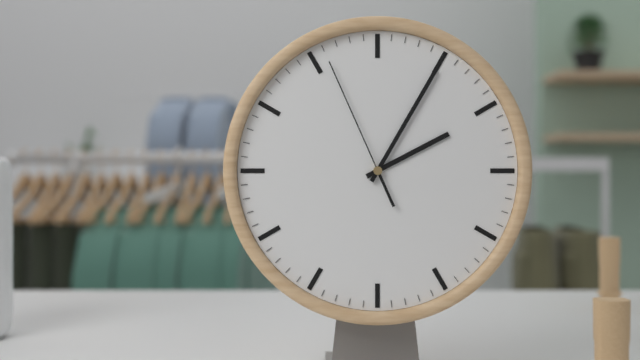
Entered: 2.05.56
